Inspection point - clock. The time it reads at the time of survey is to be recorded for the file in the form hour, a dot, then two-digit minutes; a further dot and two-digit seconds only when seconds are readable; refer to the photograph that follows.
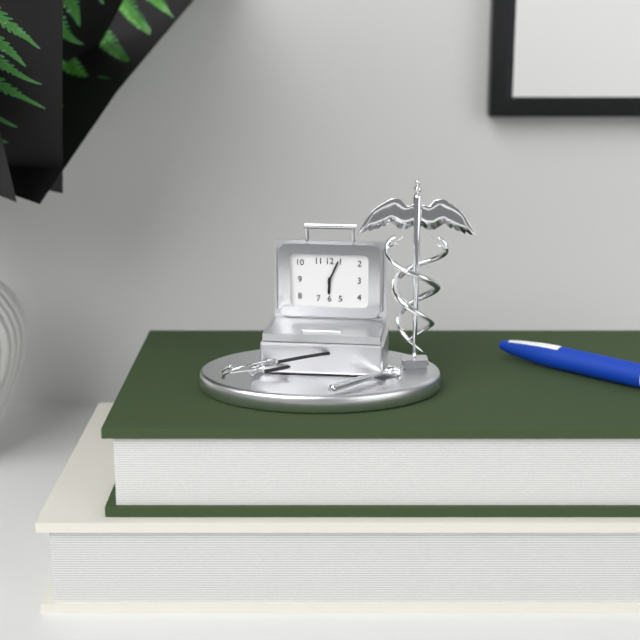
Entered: 6.04
